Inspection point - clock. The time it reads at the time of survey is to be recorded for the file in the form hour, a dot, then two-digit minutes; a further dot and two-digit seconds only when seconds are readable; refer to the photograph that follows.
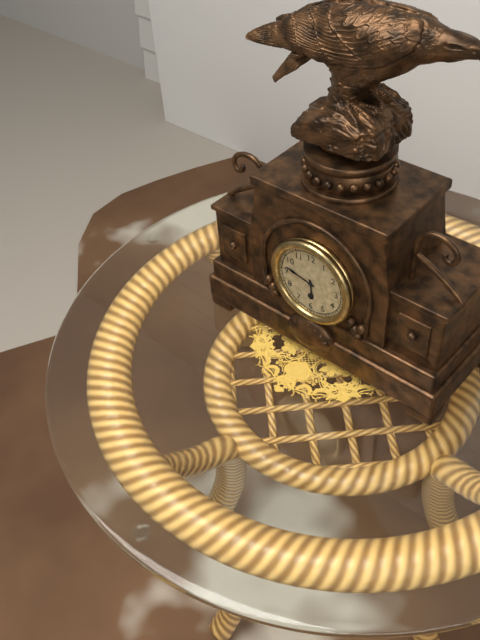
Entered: 5.47
